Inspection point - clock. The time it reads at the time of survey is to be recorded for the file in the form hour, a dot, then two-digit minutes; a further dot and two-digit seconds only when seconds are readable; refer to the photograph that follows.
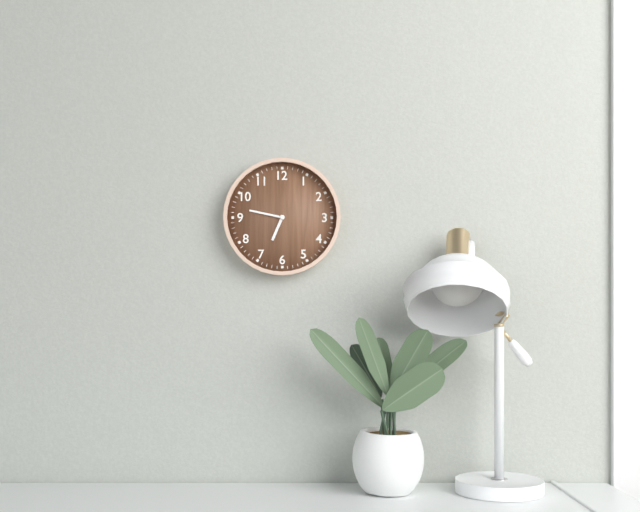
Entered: 6.47
